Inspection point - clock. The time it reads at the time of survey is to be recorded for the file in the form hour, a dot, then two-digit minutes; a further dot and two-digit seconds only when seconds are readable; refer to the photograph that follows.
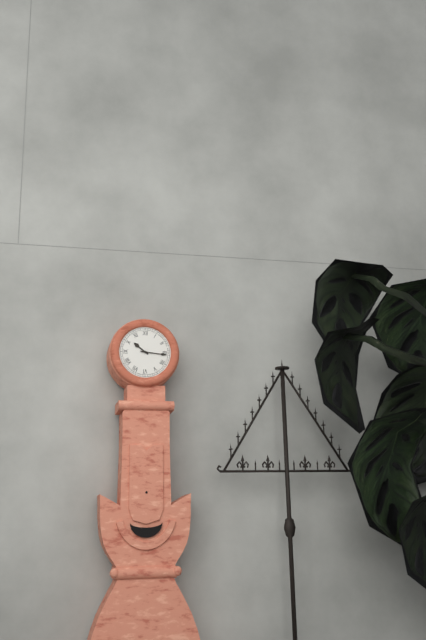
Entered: 10.16
